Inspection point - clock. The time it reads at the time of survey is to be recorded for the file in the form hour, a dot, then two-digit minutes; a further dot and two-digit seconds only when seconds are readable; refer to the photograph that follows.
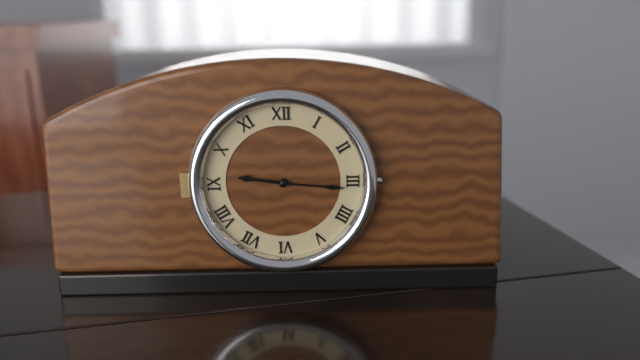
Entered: 9.16
